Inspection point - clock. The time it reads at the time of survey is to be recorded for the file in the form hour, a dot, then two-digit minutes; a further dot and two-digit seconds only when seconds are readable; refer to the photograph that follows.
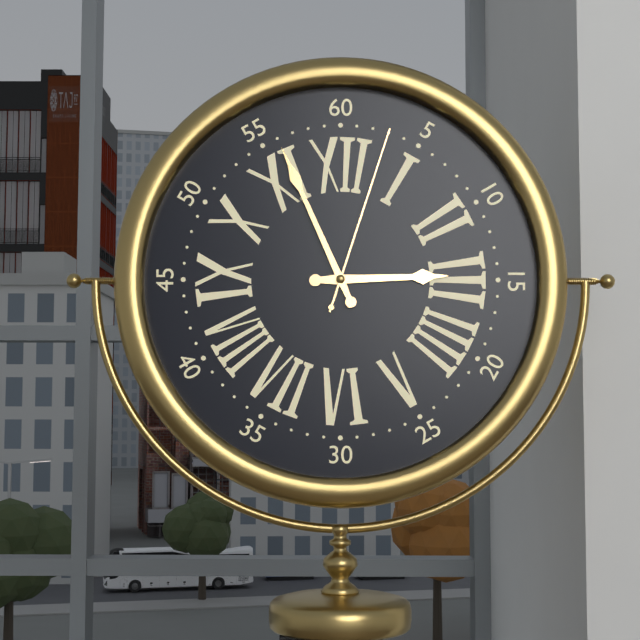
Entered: 2.56.03
